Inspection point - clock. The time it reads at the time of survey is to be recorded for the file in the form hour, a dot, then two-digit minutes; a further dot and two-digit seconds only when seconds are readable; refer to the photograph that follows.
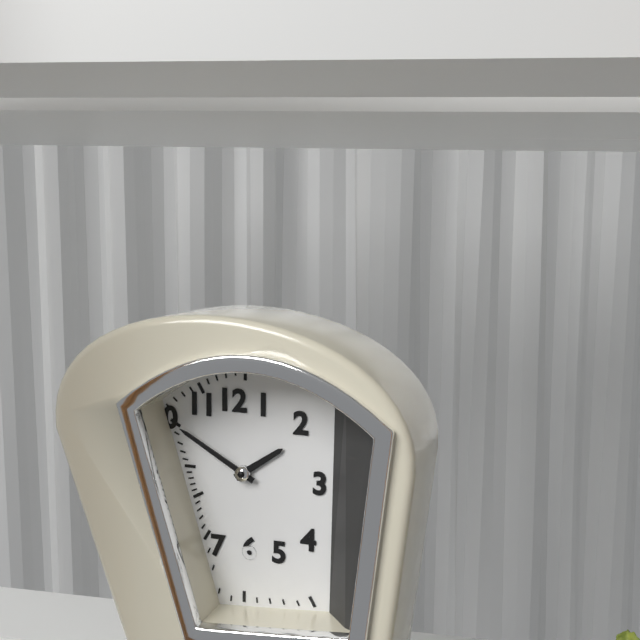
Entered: 1.50
